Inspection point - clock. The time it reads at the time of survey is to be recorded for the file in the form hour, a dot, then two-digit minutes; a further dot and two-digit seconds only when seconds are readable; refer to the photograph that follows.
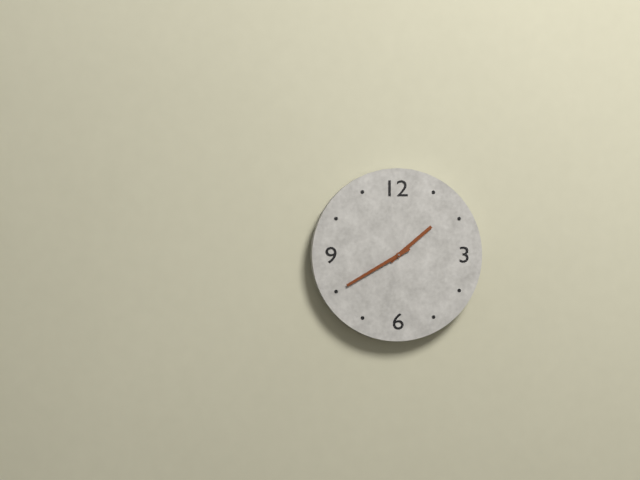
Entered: 1.40
